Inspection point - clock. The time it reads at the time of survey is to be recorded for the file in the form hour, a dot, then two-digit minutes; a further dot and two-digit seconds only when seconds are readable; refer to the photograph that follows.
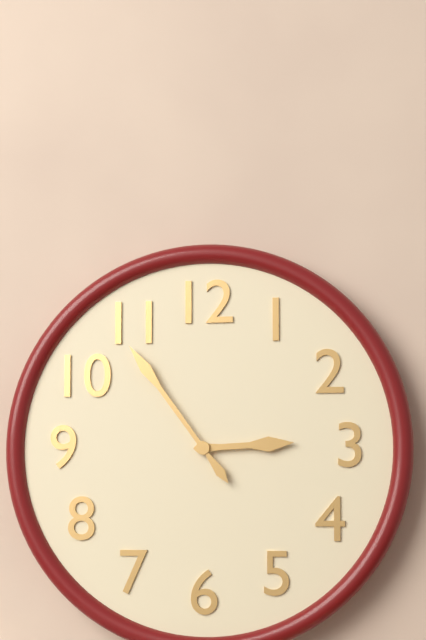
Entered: 2.54
